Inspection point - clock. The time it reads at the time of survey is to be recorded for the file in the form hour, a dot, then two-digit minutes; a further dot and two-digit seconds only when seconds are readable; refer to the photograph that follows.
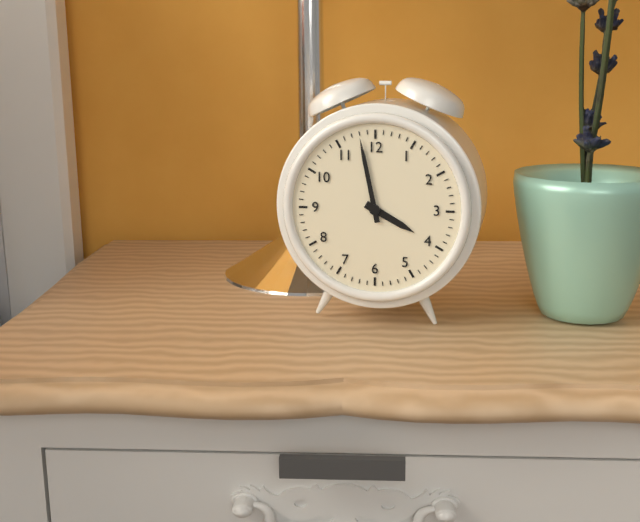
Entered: 3.58
